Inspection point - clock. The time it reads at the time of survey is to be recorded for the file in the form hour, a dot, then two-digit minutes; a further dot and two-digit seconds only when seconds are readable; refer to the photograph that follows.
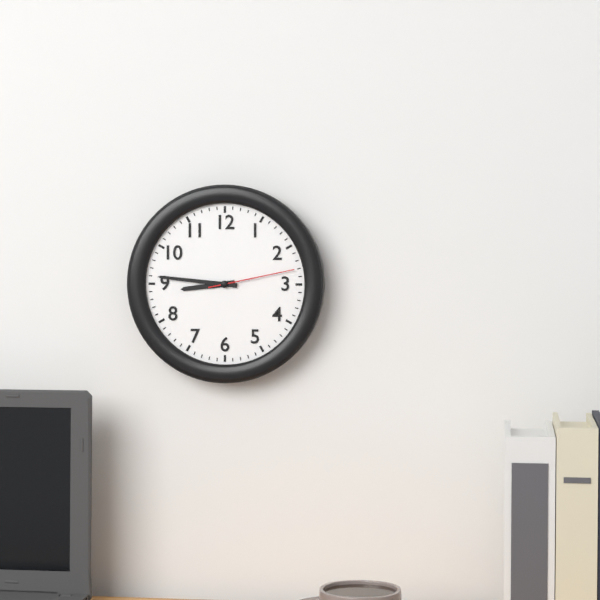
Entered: 8.46.13
